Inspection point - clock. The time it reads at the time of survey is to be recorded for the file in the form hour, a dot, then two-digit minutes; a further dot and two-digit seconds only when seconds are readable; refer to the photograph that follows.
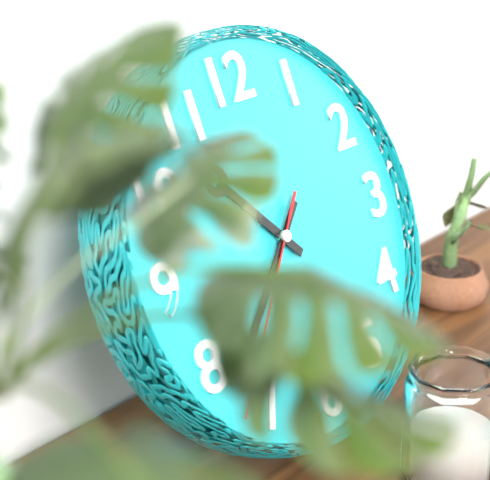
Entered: 10.38.37
